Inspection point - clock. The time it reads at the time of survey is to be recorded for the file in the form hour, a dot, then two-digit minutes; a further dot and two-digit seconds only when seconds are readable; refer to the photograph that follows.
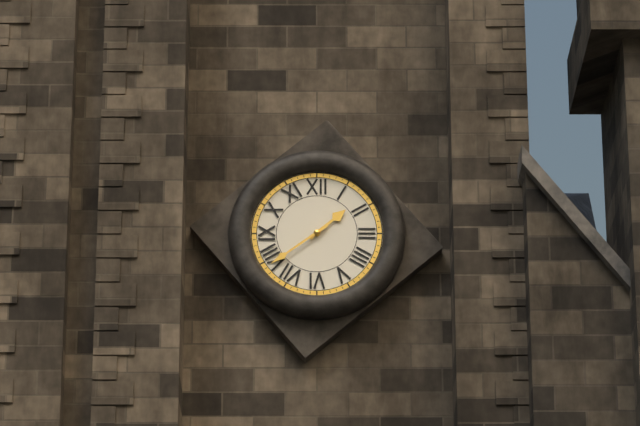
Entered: 1.39
